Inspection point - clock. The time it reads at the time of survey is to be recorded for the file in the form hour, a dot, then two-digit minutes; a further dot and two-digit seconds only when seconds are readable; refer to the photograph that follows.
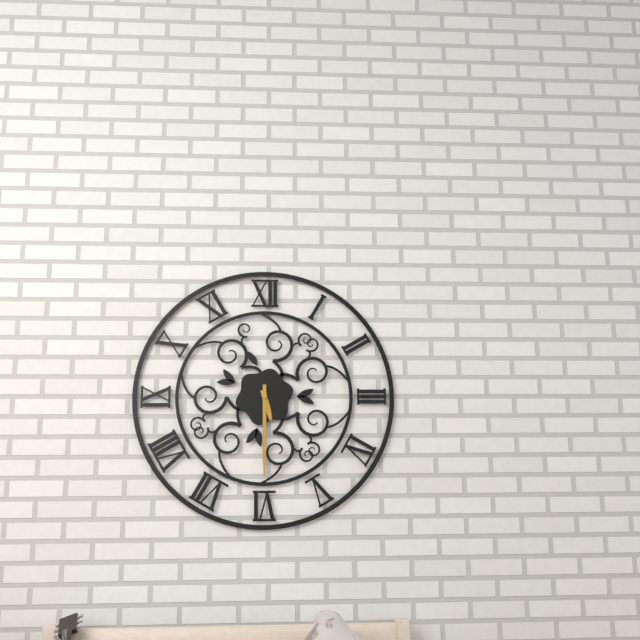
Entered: 5.30
